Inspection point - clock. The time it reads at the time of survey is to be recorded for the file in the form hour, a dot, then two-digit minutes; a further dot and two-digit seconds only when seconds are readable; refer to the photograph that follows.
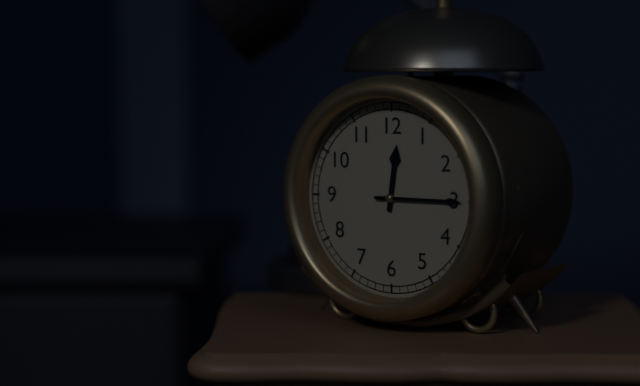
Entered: 12.15
